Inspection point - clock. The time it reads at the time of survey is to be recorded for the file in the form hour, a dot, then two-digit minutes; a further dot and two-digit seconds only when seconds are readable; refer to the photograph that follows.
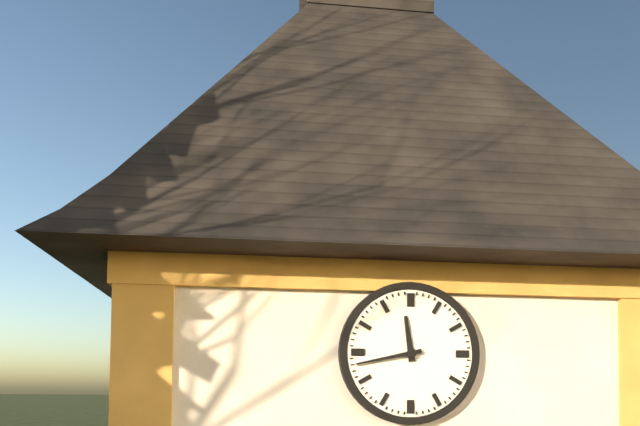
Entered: 11.43
